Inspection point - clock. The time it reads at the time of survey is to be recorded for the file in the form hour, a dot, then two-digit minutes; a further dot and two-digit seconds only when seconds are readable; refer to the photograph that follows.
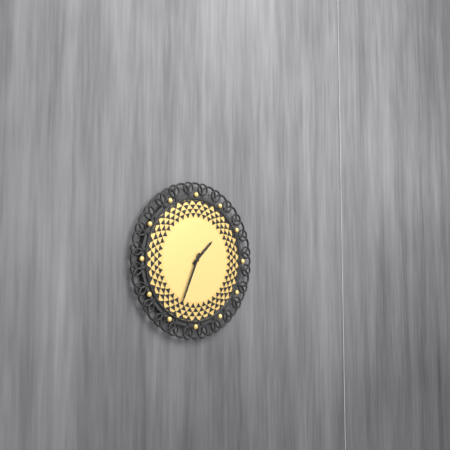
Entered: 1.34
